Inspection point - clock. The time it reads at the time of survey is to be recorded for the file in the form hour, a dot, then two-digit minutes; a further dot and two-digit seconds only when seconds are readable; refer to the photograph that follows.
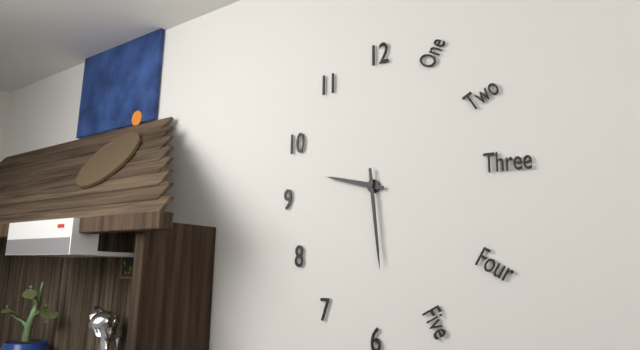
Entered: 9.29
